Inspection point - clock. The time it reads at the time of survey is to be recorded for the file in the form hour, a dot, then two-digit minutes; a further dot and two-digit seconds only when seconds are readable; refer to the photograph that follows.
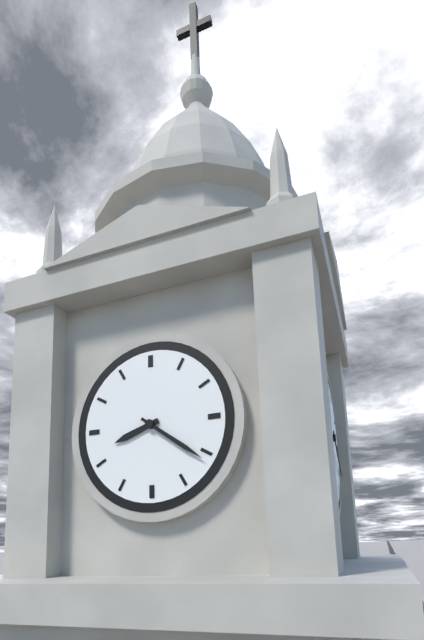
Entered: 8.21
